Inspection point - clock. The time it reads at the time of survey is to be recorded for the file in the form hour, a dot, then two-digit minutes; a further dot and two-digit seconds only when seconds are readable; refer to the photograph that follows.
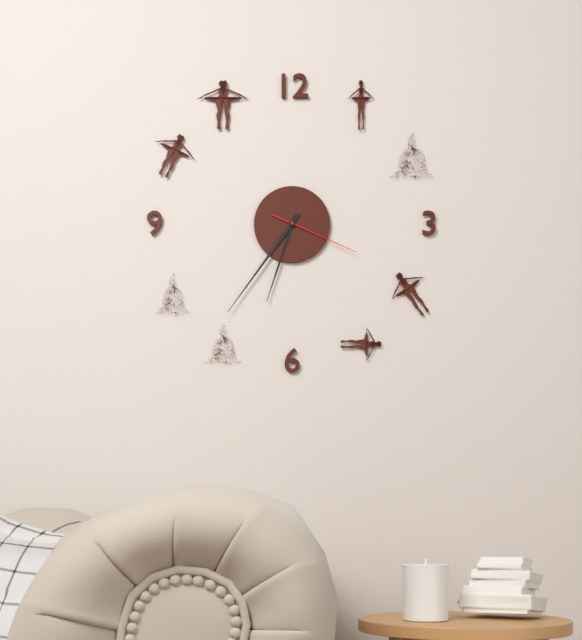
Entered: 6.36.19
